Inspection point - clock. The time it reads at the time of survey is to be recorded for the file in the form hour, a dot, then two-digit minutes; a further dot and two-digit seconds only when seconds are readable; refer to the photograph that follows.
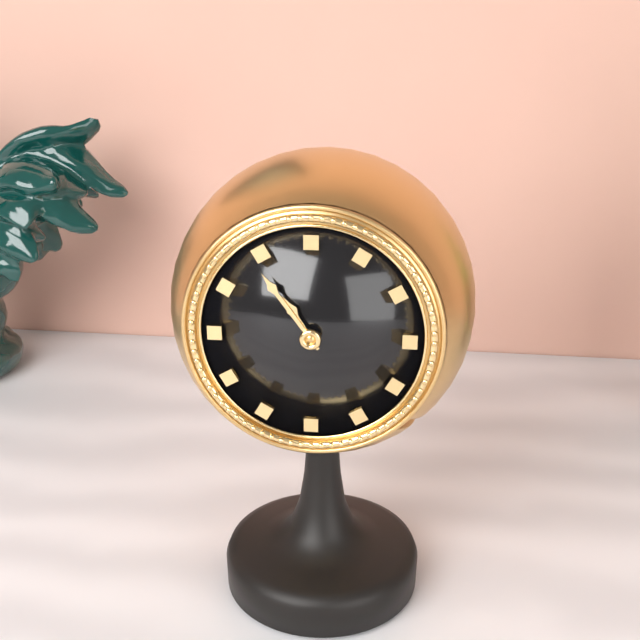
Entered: 10.54
